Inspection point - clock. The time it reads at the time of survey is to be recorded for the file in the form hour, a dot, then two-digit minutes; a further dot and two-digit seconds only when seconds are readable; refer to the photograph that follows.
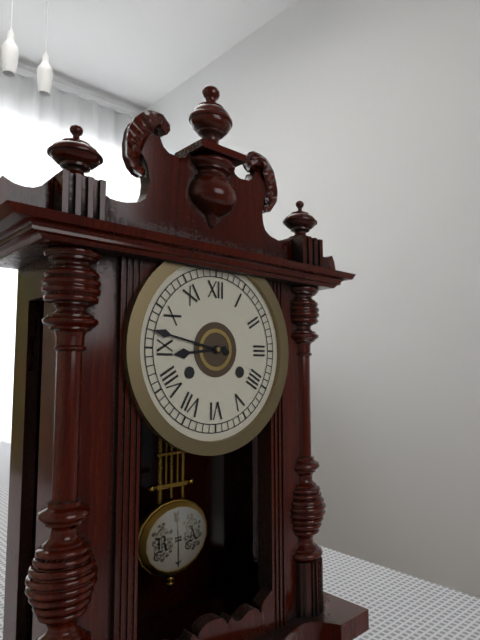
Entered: 8.47
